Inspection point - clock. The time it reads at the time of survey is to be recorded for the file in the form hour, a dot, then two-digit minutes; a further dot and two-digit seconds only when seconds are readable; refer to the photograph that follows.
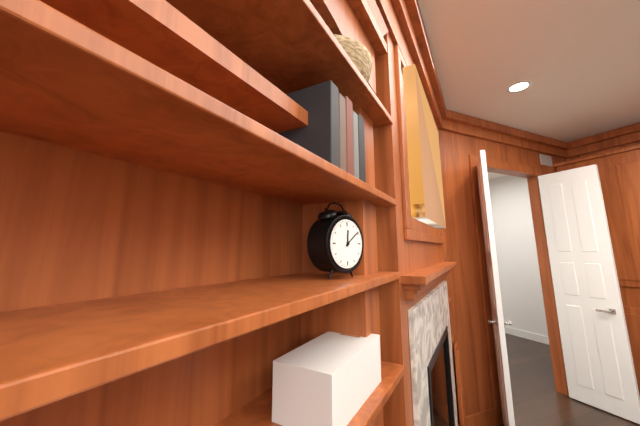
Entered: 12.09
